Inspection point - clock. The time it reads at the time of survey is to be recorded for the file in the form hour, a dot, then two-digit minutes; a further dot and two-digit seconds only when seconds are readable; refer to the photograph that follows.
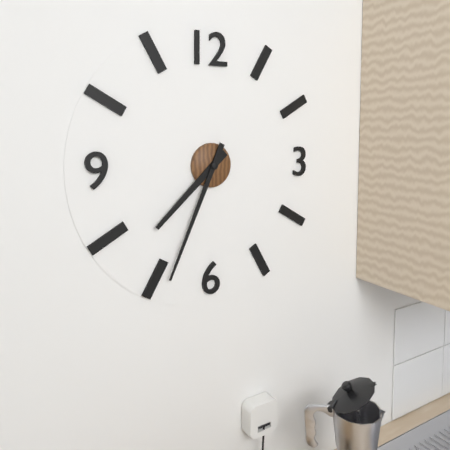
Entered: 7.34
